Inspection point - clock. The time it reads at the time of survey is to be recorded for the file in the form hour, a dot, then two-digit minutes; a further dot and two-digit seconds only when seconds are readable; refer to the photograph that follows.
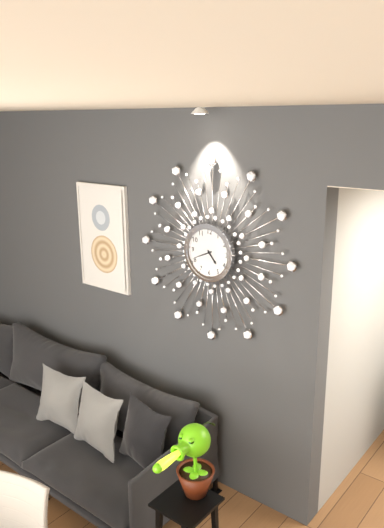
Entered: 4.41
